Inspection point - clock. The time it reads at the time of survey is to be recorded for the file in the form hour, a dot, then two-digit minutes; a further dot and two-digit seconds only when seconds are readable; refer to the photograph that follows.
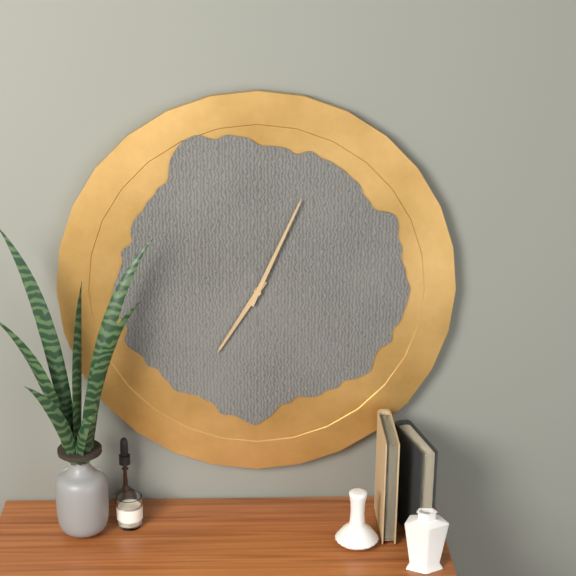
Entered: 7.04
